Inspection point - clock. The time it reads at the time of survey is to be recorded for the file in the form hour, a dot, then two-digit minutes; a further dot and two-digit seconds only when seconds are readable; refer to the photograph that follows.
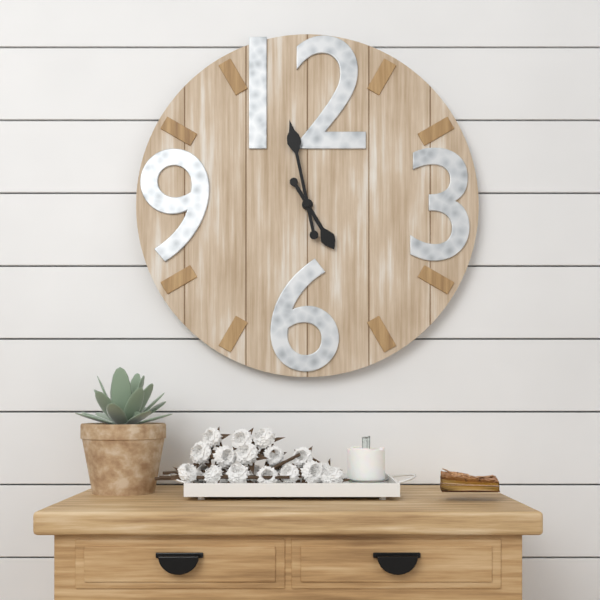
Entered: 4.58
